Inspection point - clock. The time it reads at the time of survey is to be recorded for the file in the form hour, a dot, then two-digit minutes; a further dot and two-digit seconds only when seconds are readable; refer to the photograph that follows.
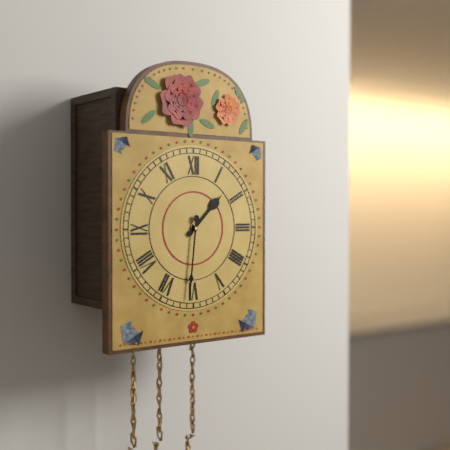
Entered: 1.31
